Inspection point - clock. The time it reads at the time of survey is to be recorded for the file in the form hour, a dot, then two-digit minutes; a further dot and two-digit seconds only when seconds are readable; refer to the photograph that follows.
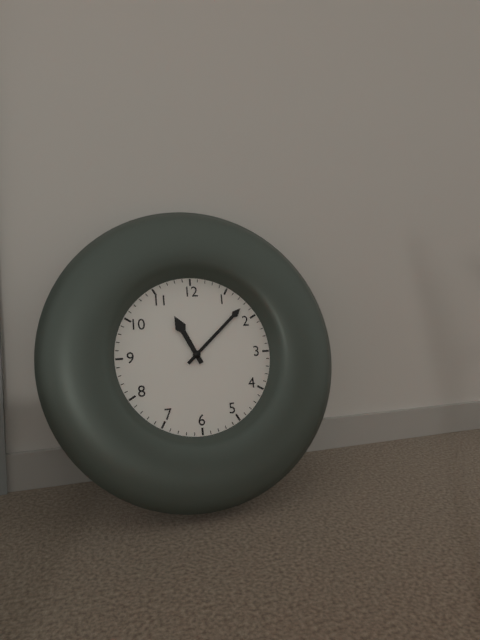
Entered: 11.08
